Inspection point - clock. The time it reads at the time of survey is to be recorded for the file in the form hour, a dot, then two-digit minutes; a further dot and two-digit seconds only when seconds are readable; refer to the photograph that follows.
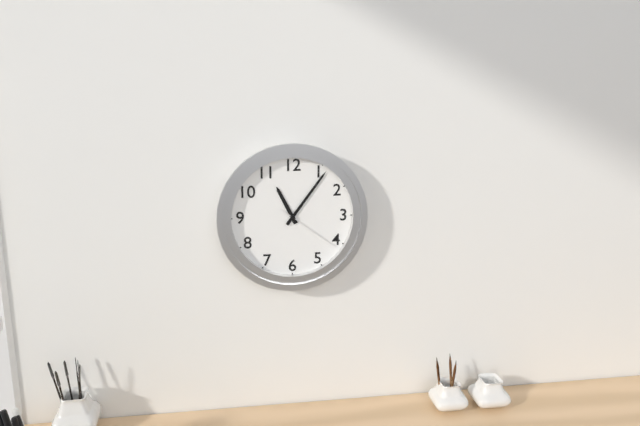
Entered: 11.06.21
